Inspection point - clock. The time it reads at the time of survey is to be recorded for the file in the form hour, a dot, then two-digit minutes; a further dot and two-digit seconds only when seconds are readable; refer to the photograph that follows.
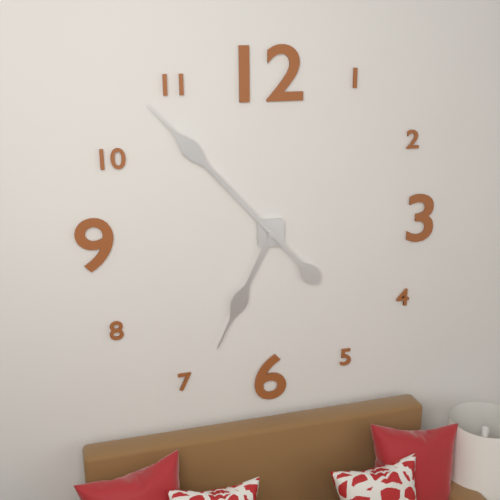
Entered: 6.53
